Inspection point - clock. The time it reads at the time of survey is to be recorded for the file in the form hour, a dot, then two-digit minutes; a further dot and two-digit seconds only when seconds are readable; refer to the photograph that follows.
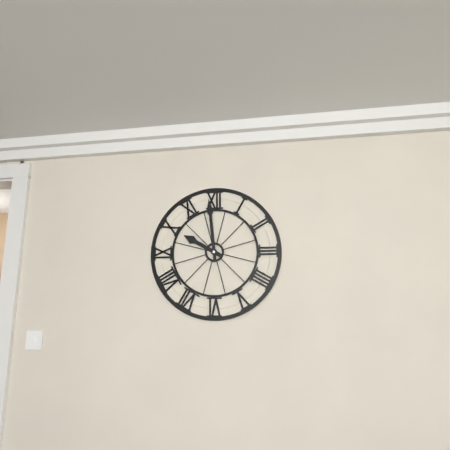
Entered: 9.59
